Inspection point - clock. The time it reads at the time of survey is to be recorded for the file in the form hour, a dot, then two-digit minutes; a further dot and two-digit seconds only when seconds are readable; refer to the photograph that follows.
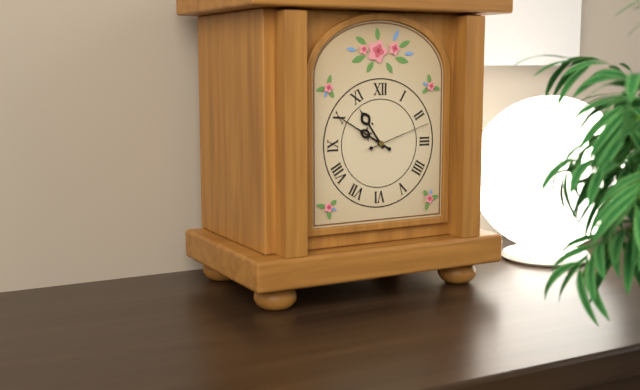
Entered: 10.50.12
